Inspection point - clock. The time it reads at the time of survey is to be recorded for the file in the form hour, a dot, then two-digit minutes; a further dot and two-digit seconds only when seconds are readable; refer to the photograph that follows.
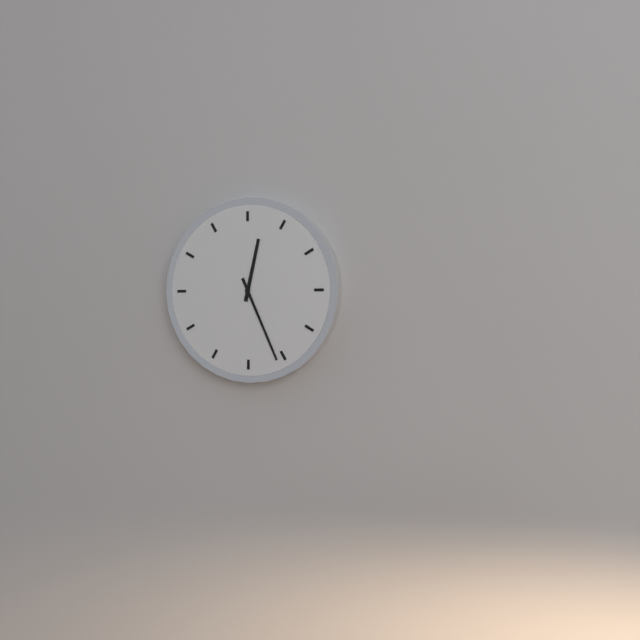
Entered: 12.26
